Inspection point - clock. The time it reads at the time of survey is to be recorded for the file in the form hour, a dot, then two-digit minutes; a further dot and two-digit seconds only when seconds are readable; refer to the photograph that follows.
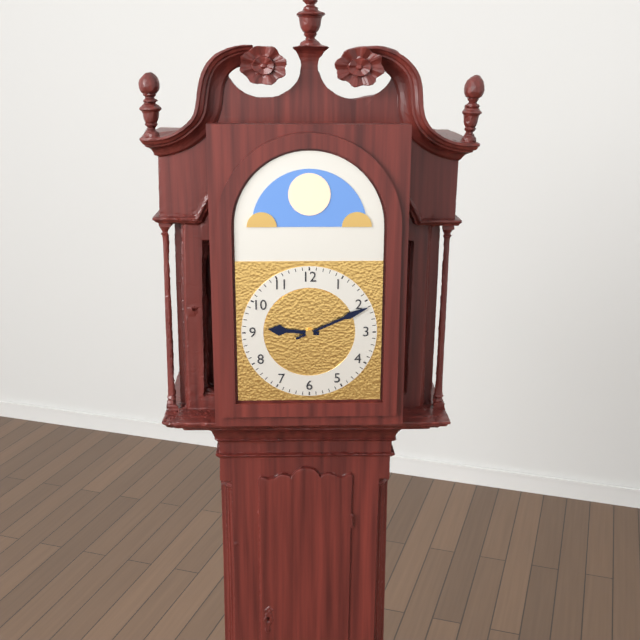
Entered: 9.11
